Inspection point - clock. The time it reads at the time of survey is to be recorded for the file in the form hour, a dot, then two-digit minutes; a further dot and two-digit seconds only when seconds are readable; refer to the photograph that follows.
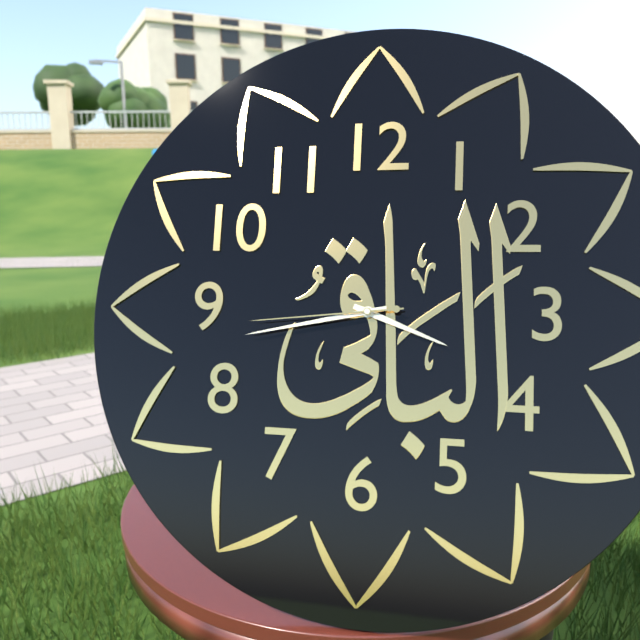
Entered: 3.43.44
